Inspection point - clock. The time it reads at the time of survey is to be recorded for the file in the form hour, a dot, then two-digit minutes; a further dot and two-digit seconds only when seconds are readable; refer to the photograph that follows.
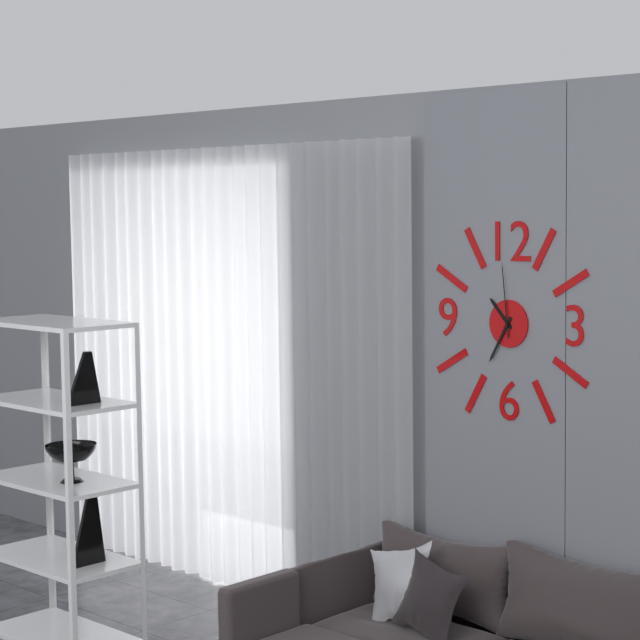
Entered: 10.35.59
